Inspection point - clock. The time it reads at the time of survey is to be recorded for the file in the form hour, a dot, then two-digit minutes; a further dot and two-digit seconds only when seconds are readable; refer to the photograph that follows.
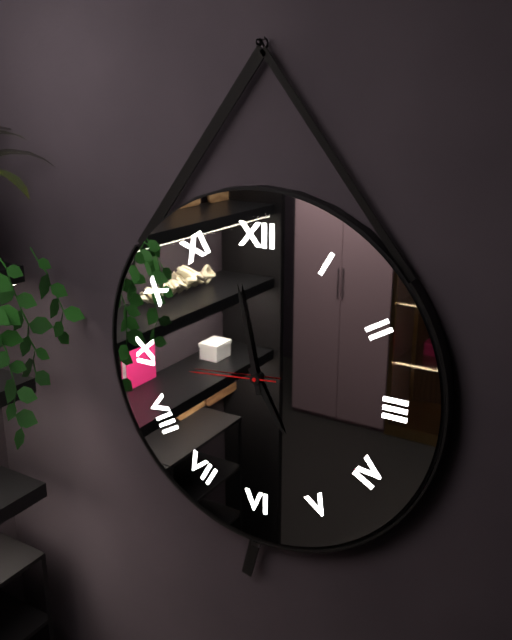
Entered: 4.58.44
